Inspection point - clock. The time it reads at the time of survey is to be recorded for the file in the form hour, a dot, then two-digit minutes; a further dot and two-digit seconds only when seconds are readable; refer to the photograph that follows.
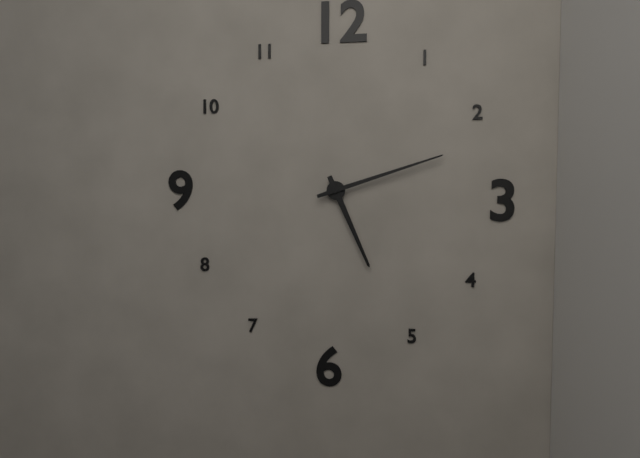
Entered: 5.12
